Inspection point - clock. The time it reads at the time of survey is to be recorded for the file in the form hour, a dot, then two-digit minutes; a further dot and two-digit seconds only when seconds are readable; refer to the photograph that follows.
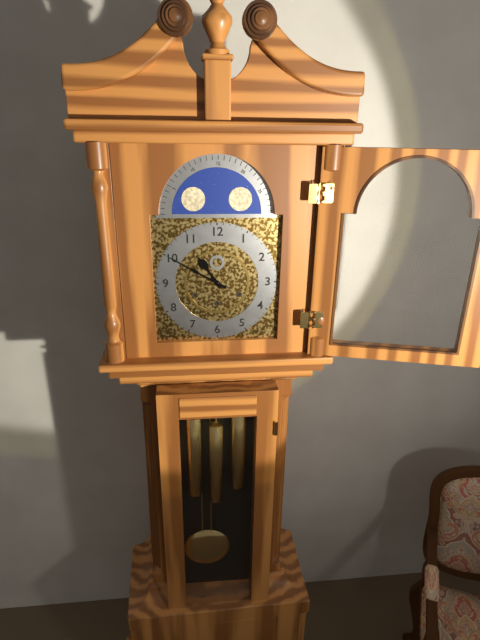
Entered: 10.50
